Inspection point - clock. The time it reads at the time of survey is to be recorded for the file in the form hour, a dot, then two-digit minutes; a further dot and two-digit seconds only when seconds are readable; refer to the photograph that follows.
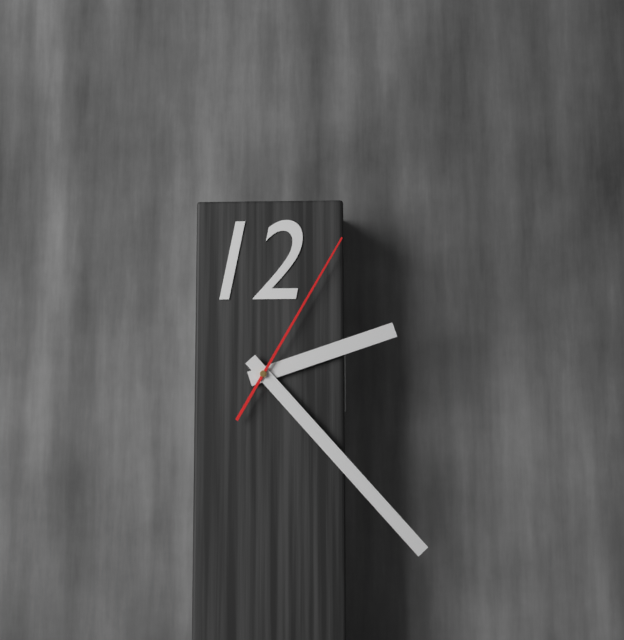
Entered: 2.23.05
